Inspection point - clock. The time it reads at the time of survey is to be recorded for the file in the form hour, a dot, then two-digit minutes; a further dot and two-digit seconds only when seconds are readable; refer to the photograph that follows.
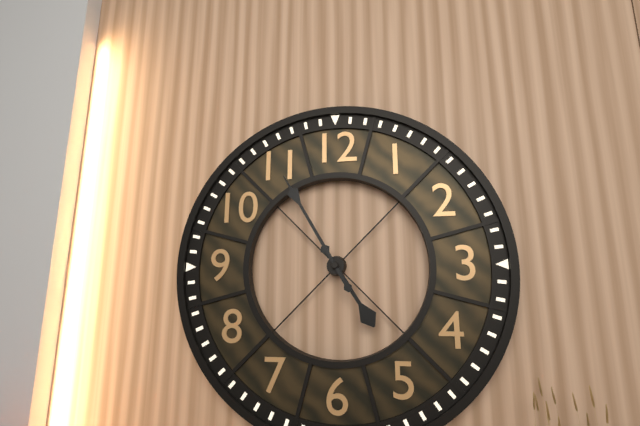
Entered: 4.55
